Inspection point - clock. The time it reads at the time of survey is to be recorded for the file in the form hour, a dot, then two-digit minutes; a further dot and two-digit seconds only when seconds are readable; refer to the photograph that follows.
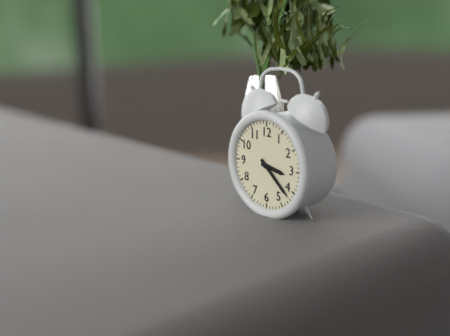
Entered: 3.22
